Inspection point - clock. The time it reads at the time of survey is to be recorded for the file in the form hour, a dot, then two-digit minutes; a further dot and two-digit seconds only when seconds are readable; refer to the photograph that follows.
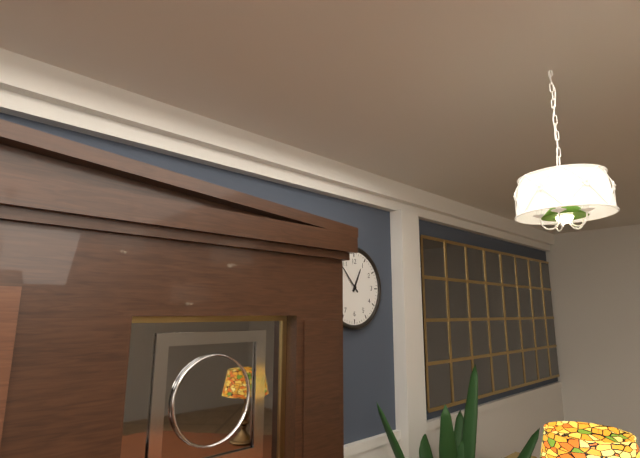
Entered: 12.53
